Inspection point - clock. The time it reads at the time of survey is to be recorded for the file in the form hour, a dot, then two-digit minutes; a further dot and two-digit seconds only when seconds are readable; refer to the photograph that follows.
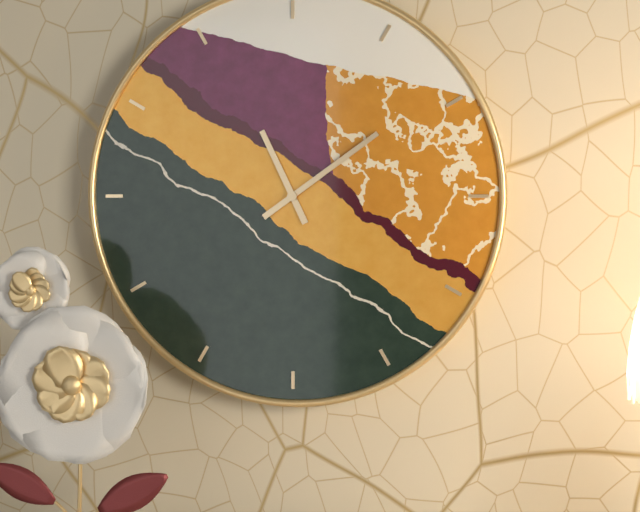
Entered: 11.09
